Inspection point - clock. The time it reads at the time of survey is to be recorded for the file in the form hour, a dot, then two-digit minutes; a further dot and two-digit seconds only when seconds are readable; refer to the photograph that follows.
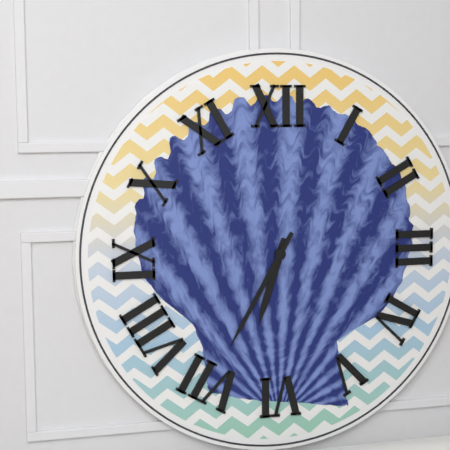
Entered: 6.35
